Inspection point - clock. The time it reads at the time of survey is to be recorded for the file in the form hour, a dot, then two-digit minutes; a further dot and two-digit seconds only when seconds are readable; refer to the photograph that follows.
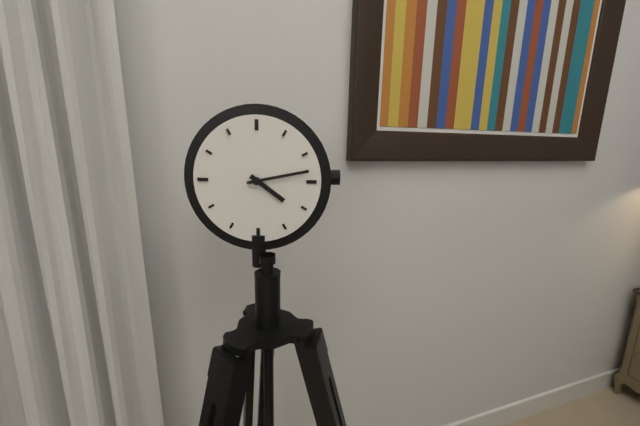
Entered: 4.13
